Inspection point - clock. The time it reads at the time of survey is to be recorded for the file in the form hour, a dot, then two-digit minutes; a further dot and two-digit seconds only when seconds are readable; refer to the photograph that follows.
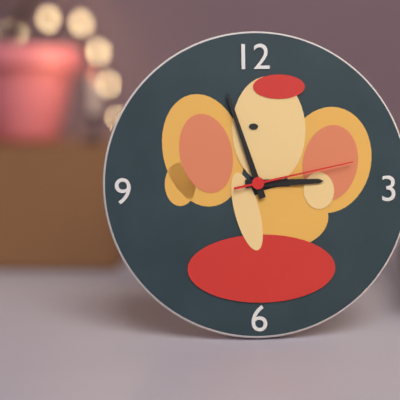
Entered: 2.57.13
